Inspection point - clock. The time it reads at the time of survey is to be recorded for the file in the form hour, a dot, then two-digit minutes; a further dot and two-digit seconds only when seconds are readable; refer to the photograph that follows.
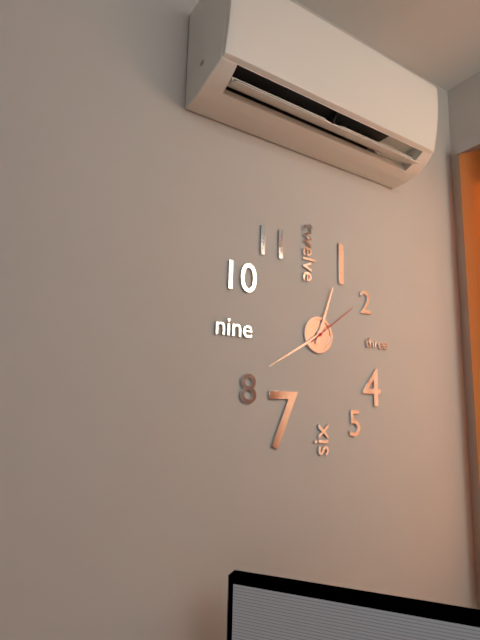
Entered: 12.40.09
